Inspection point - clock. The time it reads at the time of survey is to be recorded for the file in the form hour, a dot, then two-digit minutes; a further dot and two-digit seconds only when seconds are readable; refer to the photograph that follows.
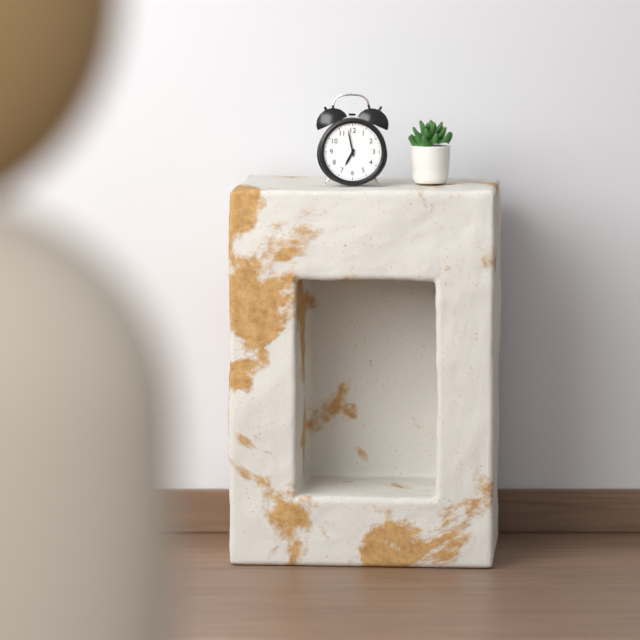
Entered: 6.58
